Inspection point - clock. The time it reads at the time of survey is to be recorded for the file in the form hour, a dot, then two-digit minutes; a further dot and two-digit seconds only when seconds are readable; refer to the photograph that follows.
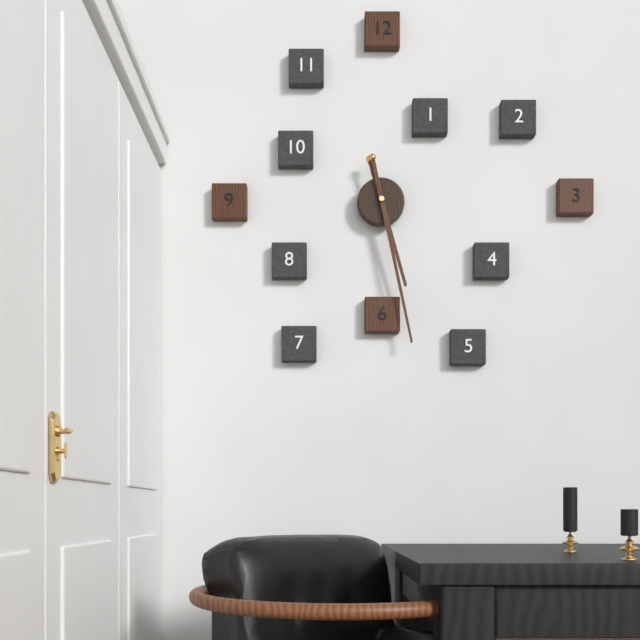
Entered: 5.28
